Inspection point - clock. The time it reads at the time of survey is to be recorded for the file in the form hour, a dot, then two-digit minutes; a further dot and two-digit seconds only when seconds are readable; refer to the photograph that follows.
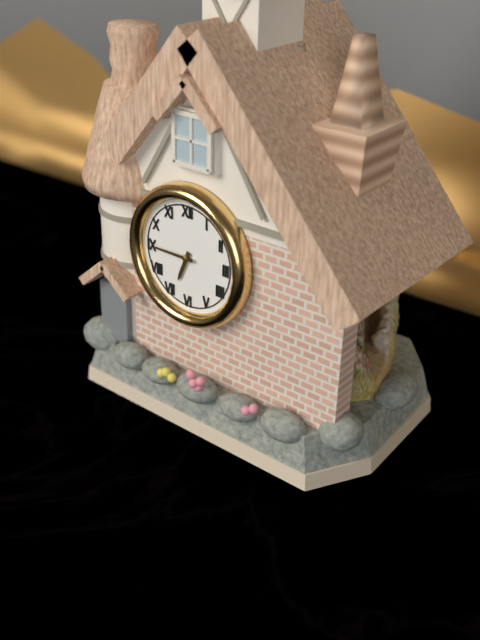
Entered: 6.45
